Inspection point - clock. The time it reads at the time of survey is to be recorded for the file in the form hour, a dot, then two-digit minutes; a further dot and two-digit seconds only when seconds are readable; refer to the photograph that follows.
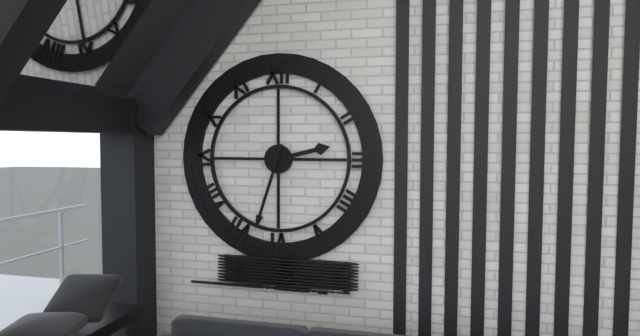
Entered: 2.33
